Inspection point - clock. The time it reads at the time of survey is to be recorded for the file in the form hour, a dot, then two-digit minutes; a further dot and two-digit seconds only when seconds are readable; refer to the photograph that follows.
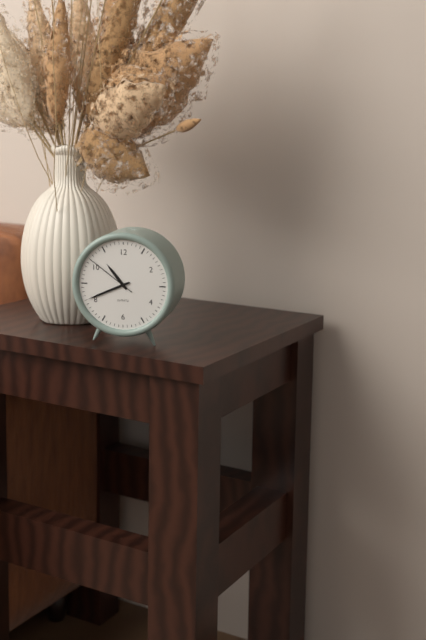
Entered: 10.41.51
